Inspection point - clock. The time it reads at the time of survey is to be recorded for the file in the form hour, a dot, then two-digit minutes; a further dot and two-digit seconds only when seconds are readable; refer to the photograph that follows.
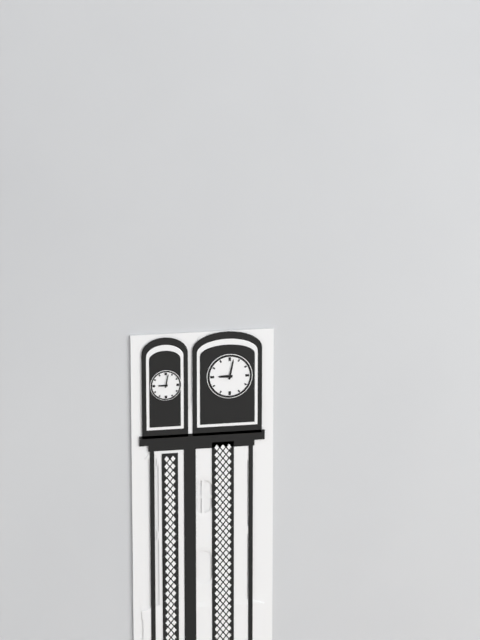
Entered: 9.02
